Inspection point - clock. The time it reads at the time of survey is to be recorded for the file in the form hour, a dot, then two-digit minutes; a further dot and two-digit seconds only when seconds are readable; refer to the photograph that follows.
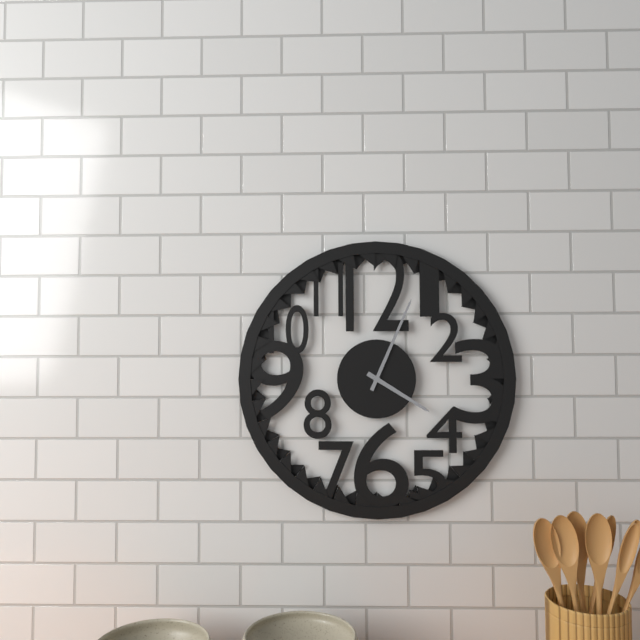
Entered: 4.04
